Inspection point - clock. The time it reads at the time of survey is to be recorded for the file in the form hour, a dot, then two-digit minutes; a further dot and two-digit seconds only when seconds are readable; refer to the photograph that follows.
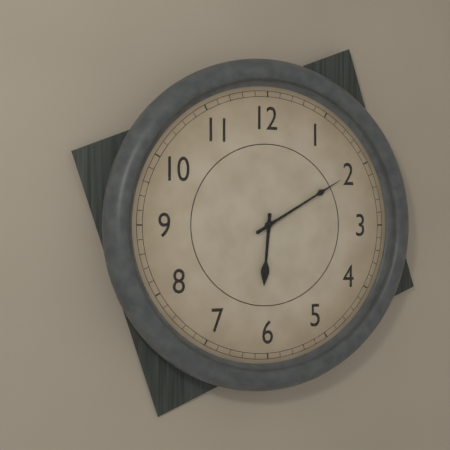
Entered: 6.10
